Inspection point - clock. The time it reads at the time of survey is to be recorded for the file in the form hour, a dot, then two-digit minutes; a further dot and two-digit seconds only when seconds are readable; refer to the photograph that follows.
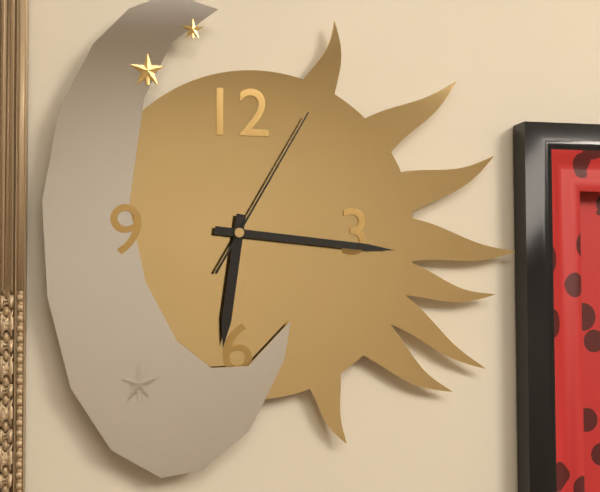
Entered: 6.16.05
